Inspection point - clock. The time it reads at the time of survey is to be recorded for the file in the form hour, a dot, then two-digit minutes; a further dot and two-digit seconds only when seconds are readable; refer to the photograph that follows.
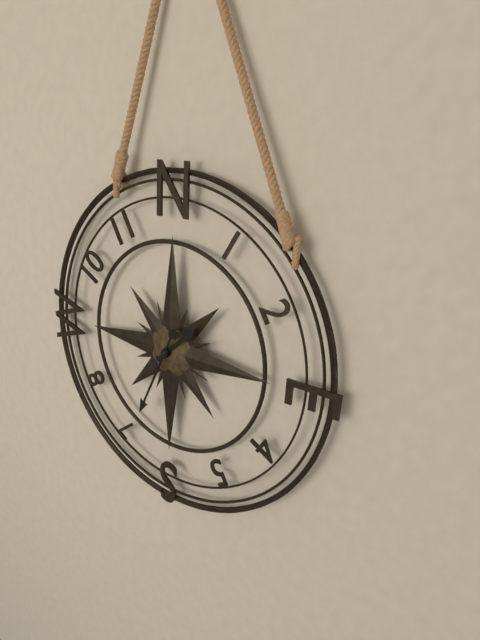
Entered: 1.34
